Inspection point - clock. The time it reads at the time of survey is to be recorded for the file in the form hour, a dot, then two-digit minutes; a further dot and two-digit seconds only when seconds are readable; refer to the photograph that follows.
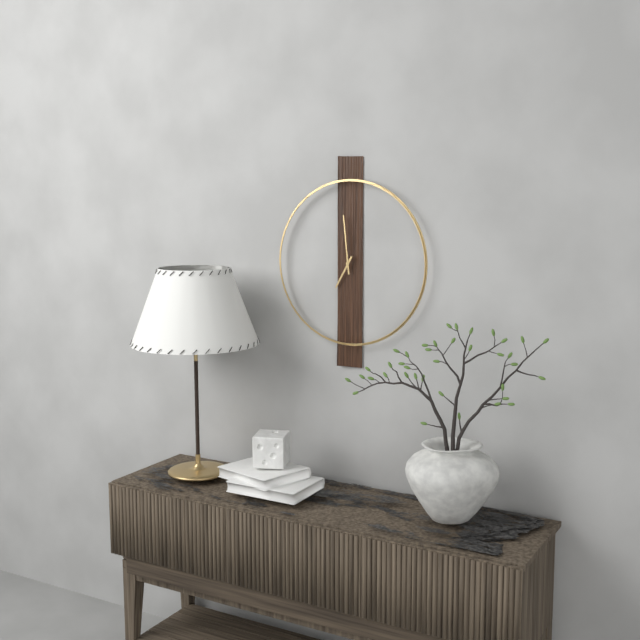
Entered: 6.59
